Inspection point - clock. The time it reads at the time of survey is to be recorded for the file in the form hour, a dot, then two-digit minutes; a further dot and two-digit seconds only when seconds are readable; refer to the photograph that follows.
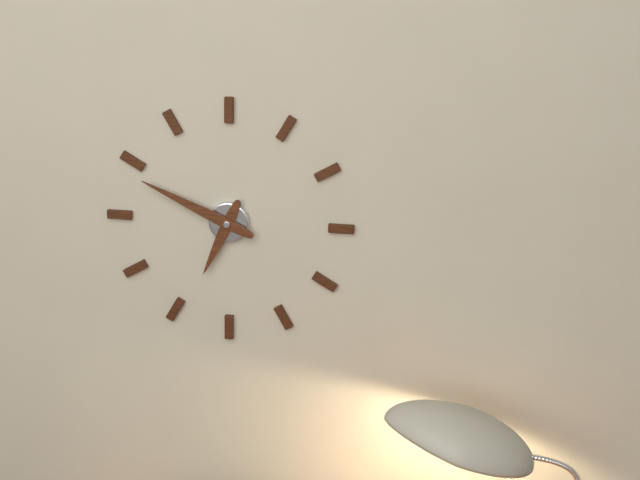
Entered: 6.49
